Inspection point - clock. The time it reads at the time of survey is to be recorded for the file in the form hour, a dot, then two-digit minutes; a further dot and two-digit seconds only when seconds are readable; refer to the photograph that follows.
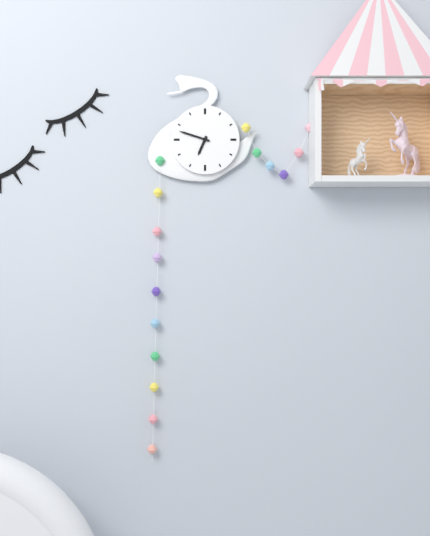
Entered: 6.48
